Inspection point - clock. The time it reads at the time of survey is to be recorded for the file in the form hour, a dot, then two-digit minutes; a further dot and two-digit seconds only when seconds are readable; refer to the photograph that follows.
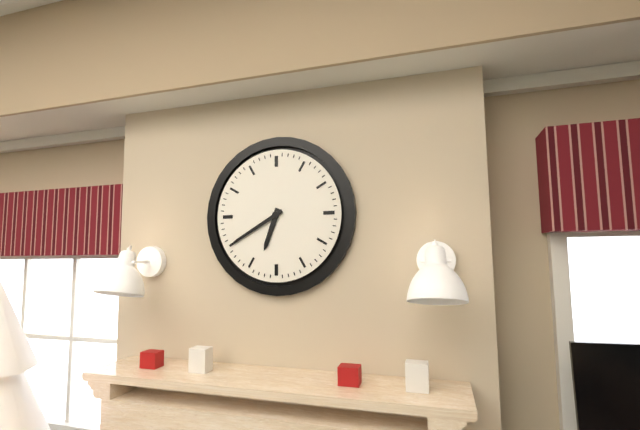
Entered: 6.40
